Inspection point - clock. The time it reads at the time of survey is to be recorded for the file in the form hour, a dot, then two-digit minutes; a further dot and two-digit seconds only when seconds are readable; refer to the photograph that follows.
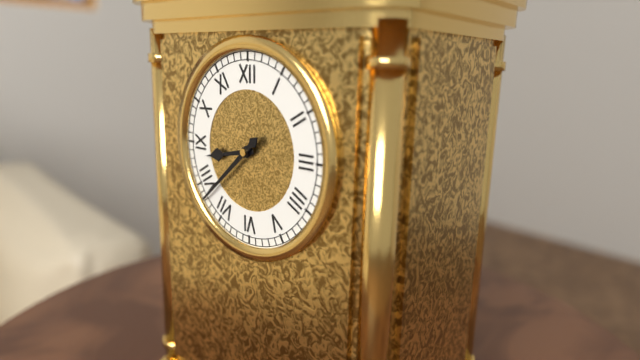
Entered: 8.38
